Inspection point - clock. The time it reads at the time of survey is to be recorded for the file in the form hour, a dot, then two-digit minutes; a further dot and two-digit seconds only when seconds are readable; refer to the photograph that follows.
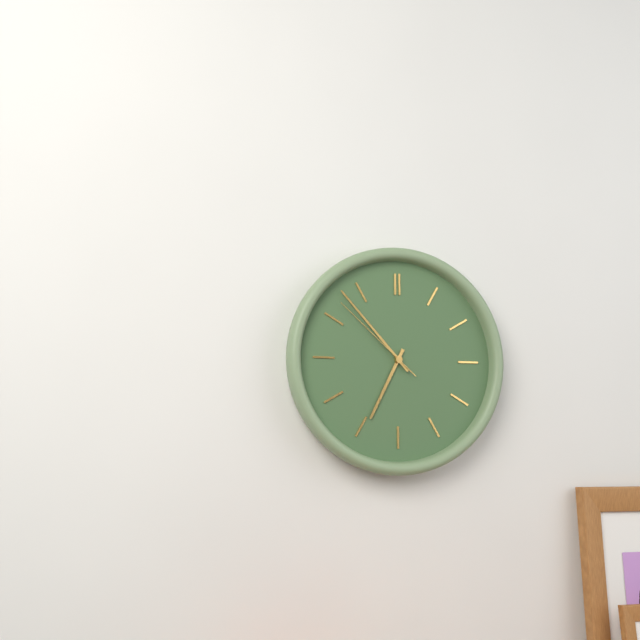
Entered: 6.53.52
